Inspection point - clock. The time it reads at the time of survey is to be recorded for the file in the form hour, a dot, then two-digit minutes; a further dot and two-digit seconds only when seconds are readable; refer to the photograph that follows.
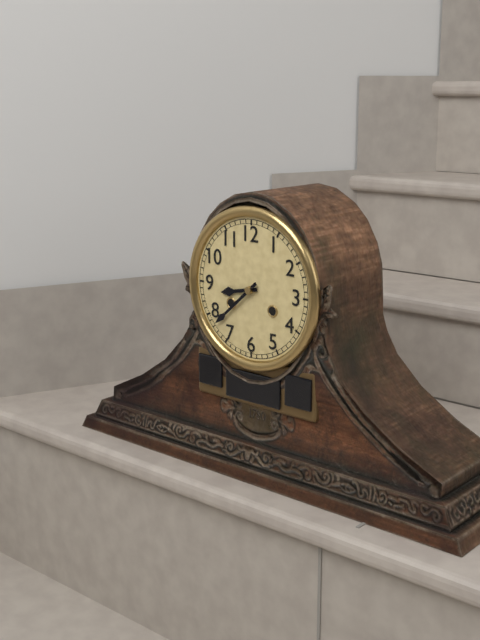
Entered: 8.38
